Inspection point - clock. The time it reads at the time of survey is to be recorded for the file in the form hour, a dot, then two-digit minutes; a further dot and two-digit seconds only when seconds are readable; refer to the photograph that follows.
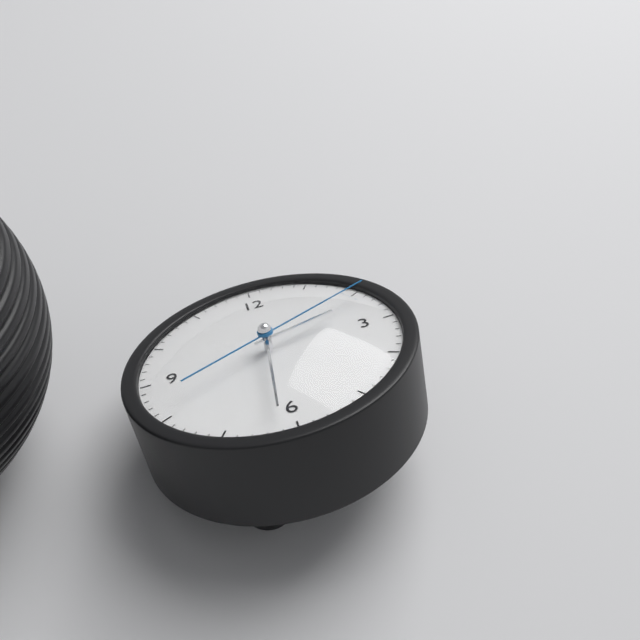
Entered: 2.31.11
